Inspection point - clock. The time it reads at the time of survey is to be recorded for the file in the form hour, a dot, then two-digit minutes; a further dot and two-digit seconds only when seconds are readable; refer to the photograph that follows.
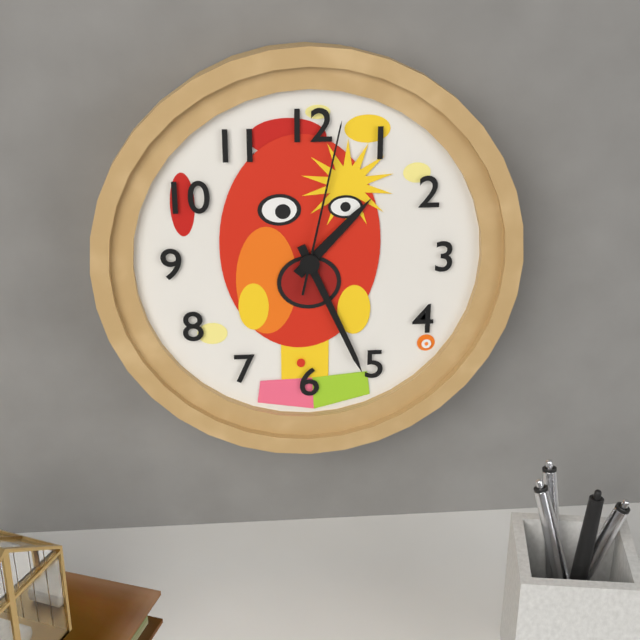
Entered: 1.26.02
